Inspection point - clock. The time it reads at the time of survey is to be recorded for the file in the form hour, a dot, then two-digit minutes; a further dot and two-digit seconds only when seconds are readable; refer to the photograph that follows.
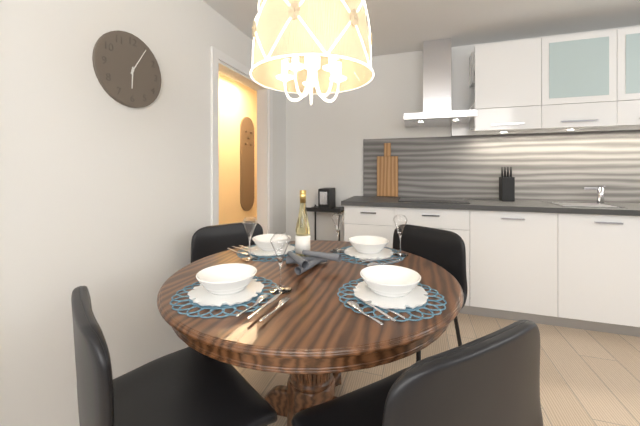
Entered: 6.05
